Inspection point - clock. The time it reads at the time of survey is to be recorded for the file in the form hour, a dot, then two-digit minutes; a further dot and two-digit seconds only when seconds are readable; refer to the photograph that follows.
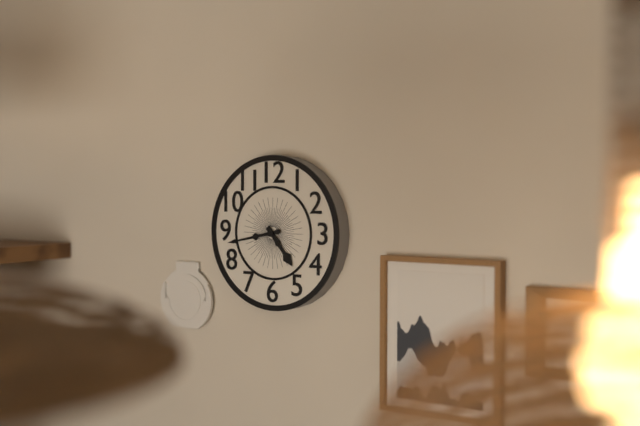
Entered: 4.43
